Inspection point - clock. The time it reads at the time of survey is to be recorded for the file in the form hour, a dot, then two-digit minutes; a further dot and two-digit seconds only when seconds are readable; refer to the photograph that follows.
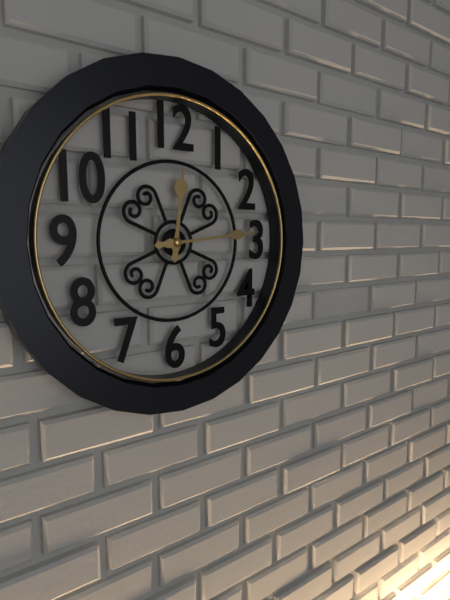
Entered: 12.14
